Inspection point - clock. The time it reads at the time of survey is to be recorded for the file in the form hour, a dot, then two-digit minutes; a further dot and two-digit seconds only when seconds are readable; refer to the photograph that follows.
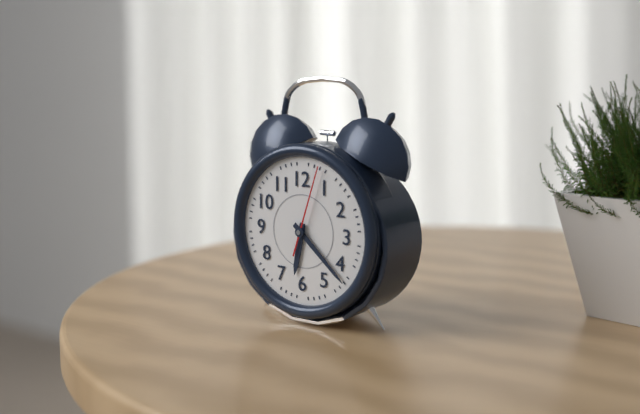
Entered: 6.22.03
